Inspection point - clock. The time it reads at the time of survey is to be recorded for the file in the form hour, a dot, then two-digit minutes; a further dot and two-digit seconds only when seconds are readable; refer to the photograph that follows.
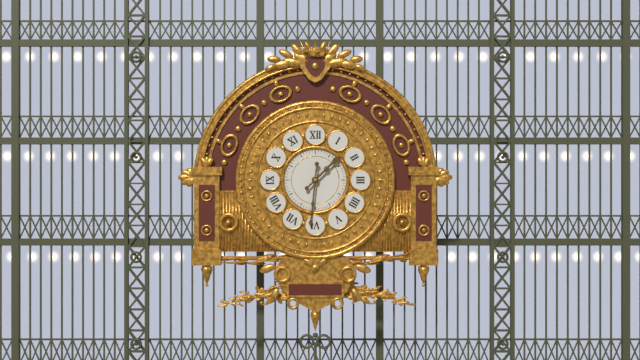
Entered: 1.31
